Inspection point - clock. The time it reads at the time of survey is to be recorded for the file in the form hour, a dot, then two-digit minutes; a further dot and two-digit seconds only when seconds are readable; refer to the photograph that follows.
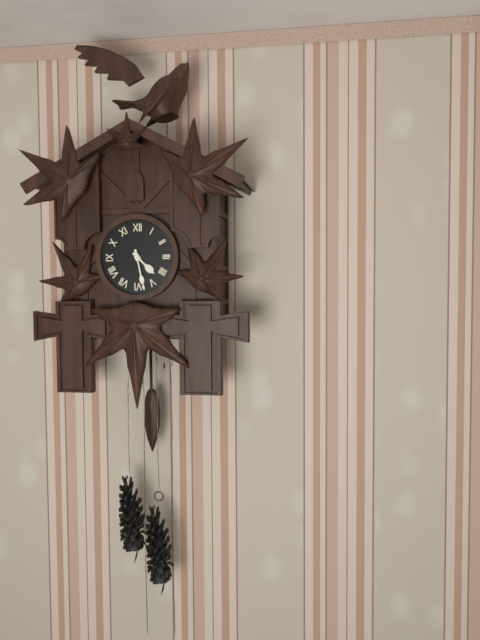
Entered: 4.28
